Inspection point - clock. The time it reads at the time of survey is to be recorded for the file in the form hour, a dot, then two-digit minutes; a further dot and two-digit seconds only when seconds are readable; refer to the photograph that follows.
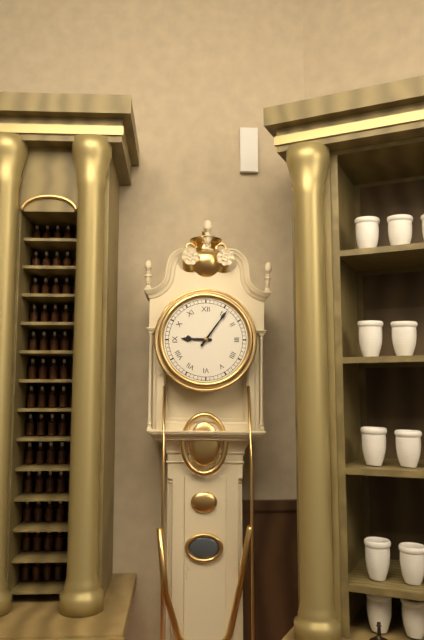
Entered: 9.06
